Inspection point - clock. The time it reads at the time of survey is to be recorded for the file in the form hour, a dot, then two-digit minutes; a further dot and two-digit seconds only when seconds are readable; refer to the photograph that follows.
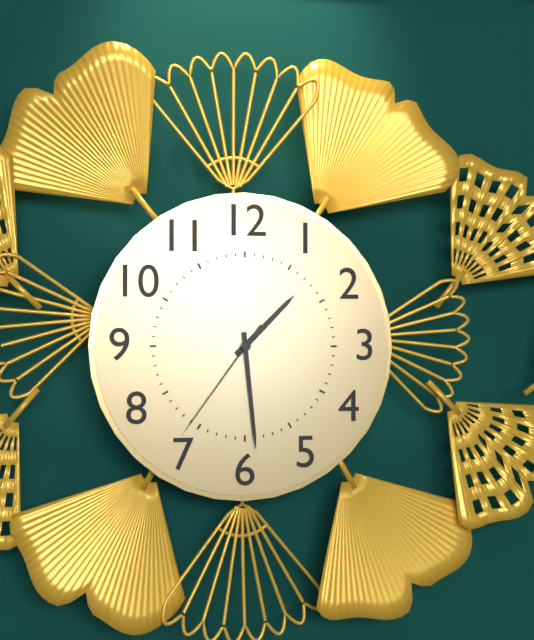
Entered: 1.29.36
